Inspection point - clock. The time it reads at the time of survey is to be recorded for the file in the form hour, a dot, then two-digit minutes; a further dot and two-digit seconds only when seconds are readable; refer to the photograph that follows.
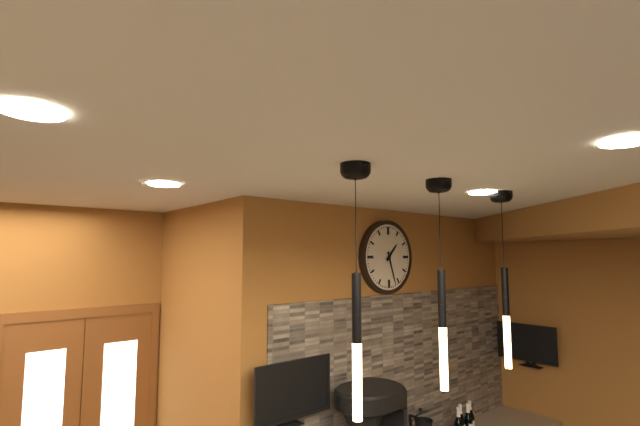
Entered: 1.27
